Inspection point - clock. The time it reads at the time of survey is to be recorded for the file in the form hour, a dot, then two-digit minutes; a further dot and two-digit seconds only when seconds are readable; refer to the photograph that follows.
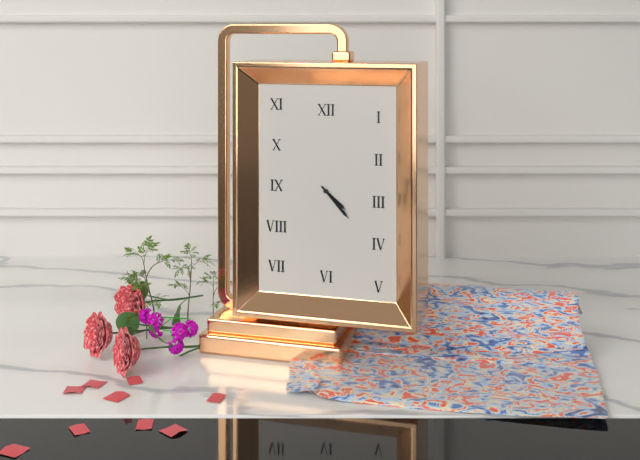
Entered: 4.23
